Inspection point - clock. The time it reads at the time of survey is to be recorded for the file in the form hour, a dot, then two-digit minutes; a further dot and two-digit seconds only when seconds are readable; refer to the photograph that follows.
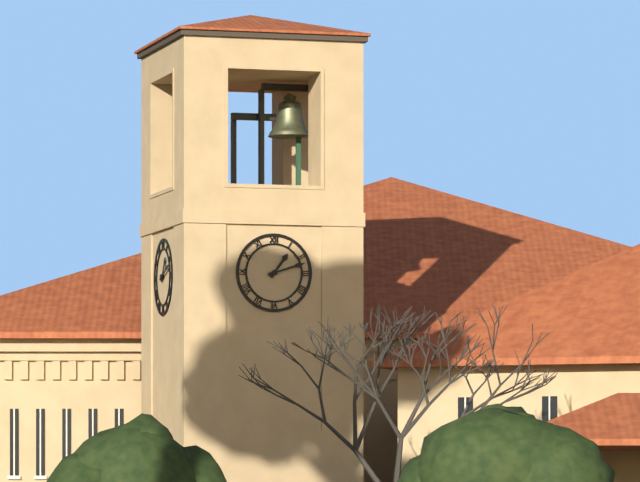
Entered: 1.12
